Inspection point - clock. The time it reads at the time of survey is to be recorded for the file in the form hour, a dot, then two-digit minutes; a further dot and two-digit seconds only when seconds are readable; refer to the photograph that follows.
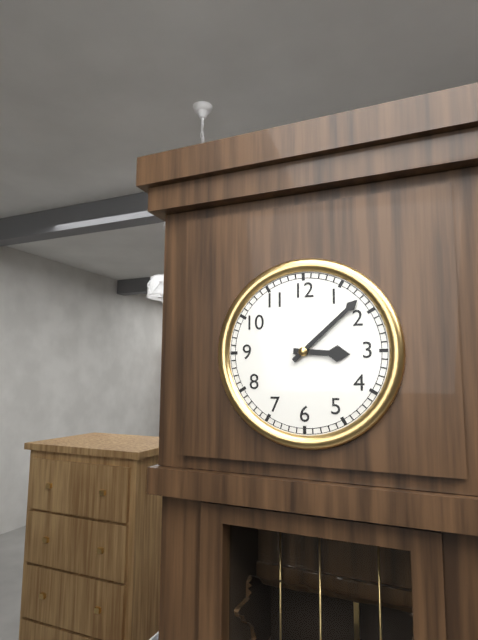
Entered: 3.08
